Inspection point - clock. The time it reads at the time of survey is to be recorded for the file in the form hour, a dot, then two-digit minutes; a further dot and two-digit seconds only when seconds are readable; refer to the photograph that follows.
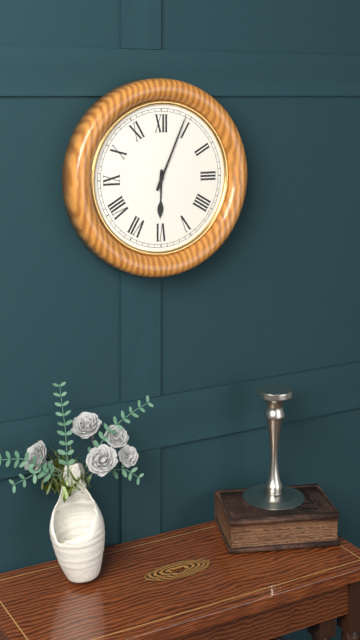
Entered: 6.04
